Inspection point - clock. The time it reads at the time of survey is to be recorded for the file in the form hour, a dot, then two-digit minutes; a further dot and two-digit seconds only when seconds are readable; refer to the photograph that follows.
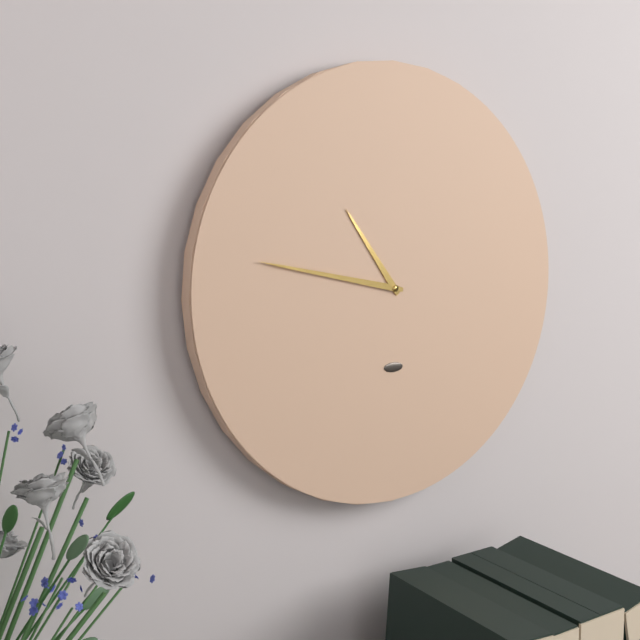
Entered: 10.47
